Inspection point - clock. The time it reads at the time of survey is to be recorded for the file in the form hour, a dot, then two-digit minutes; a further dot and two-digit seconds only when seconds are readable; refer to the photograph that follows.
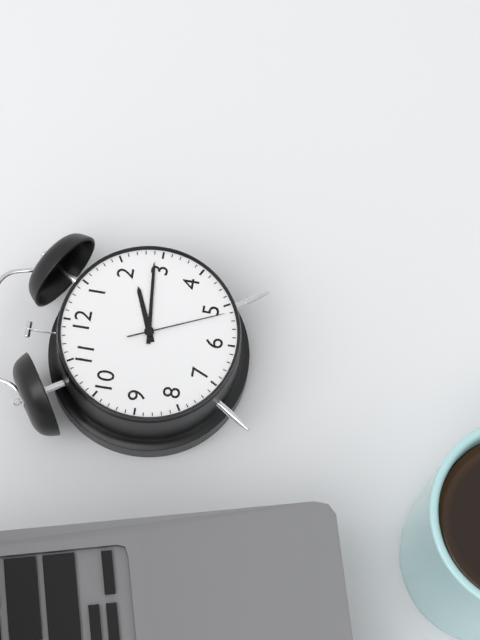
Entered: 2.14.26
